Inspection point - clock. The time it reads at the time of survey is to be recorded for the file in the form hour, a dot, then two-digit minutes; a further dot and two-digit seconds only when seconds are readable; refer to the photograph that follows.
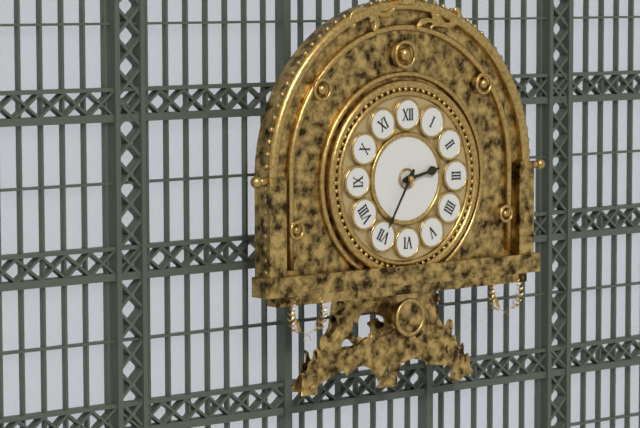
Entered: 2.35
